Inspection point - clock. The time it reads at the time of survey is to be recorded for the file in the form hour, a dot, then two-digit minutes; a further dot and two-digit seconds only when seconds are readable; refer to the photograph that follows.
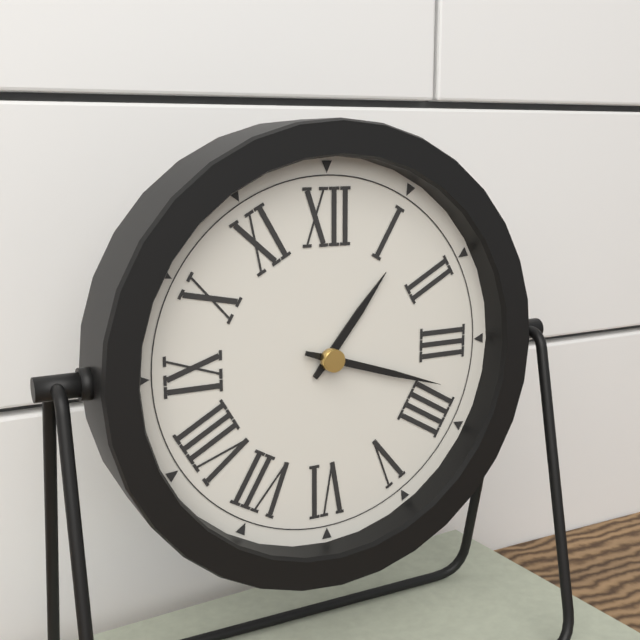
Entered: 1.18
